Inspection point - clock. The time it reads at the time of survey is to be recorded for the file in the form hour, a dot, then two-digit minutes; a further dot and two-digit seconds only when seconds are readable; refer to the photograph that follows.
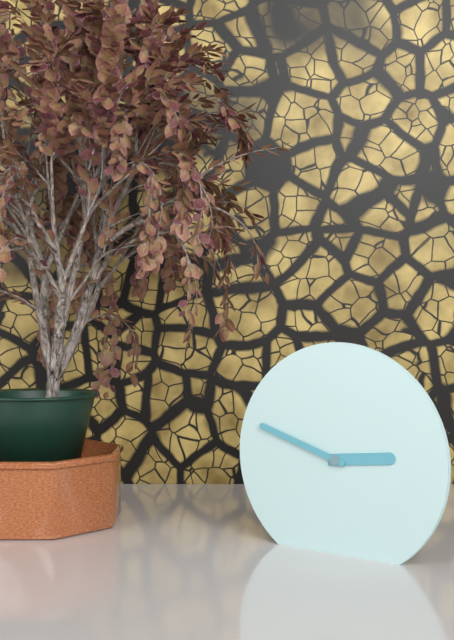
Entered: 2.48
